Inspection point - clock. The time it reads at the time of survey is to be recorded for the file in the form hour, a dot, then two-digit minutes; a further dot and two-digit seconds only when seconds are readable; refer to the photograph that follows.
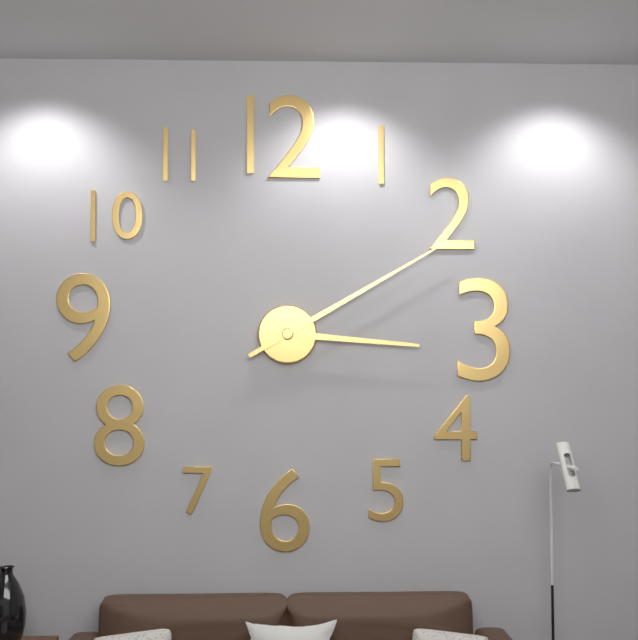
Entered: 3.10
